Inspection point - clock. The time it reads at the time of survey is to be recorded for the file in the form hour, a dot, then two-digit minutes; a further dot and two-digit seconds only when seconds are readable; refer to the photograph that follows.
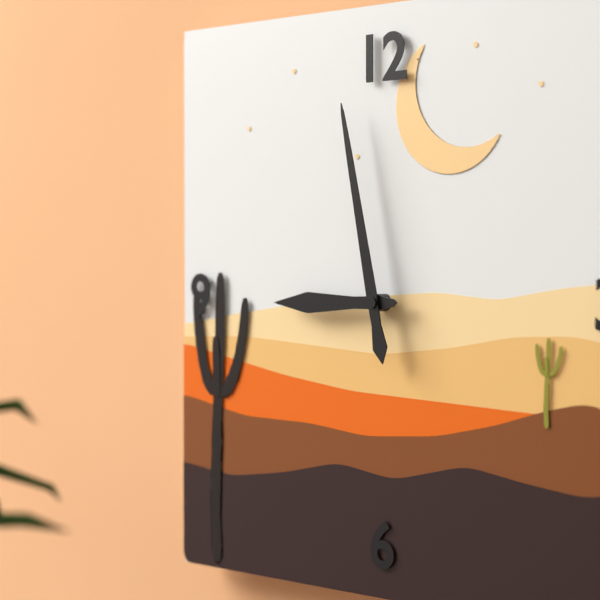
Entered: 8.58
